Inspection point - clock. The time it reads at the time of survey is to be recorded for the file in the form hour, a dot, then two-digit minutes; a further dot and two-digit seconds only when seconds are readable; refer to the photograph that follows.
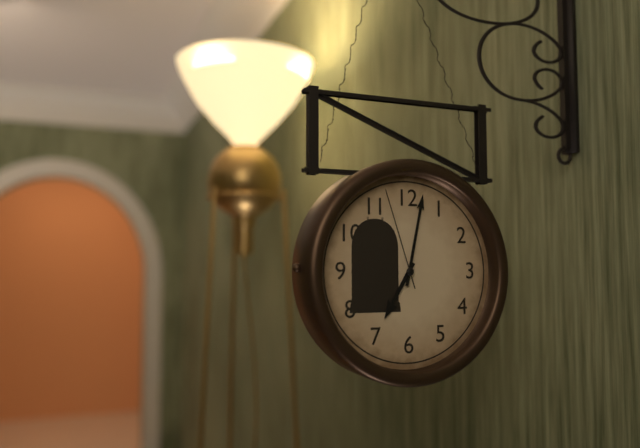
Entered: 7.02.57
